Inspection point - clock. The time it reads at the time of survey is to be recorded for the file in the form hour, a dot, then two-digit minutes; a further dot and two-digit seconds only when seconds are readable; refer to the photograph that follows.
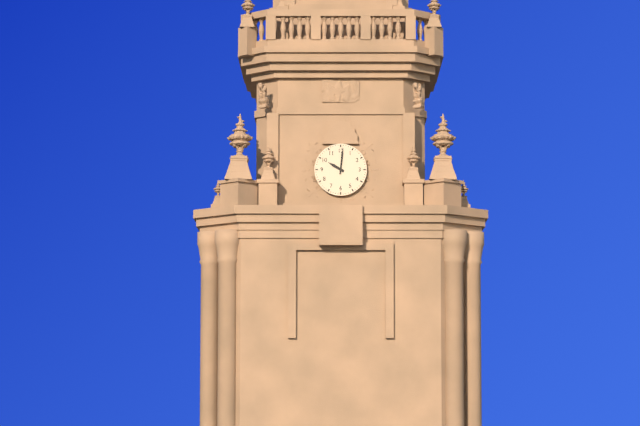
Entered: 10.01
